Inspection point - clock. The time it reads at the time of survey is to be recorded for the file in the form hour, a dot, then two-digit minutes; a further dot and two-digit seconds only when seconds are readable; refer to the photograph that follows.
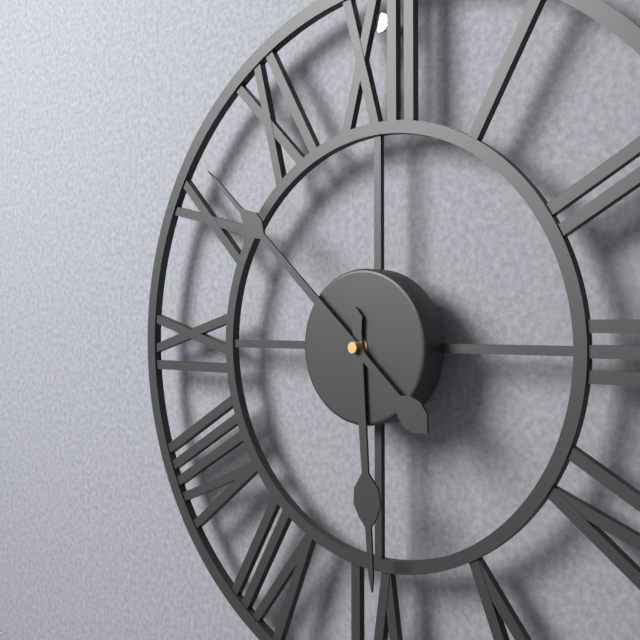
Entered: 5.52
